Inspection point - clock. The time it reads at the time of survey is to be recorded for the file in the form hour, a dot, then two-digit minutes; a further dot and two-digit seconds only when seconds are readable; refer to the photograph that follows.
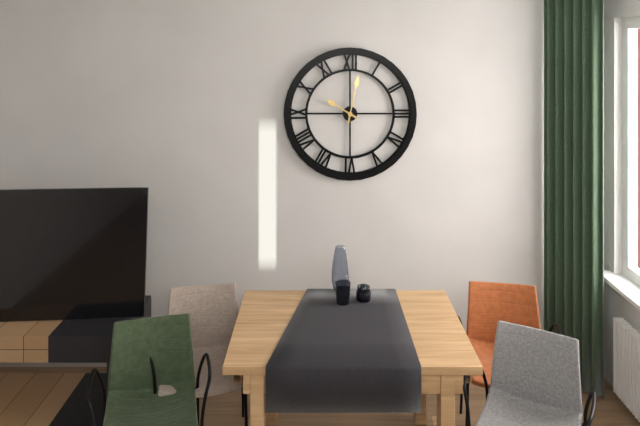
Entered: 10.02
